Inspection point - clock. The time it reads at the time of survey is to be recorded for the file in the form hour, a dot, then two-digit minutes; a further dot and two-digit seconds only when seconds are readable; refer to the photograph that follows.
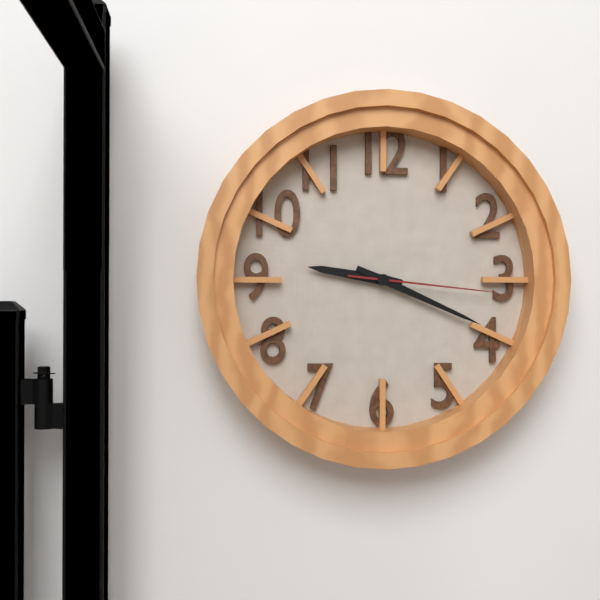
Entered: 9.19.16
